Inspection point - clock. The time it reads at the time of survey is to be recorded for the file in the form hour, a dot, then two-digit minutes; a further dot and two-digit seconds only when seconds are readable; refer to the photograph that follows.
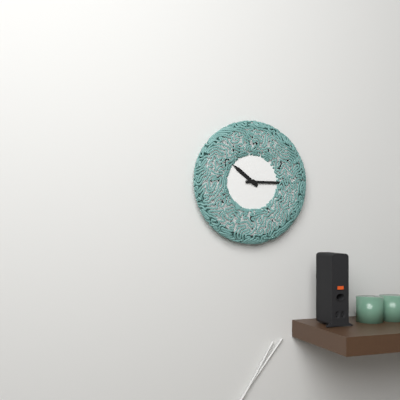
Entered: 10.15
